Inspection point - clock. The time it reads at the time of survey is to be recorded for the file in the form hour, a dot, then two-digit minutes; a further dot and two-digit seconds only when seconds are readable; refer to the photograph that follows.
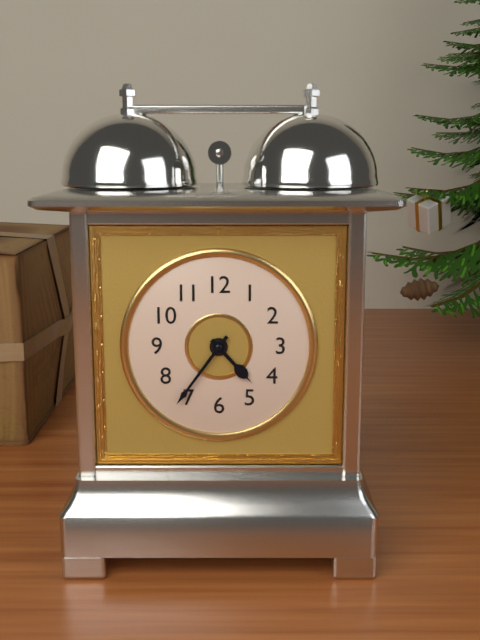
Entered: 4.36
